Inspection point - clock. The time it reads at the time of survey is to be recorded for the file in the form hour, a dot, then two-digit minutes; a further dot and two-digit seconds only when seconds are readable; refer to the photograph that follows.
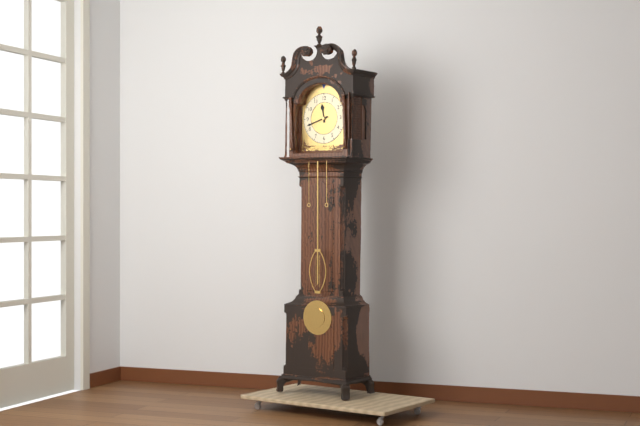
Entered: 11.42
